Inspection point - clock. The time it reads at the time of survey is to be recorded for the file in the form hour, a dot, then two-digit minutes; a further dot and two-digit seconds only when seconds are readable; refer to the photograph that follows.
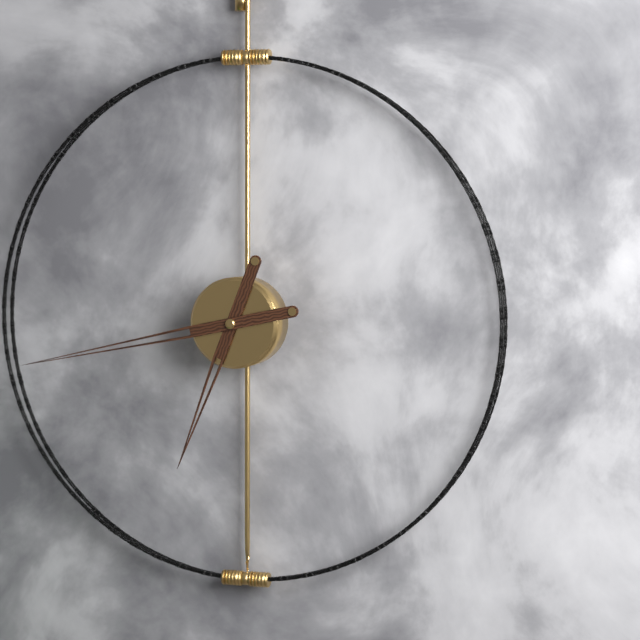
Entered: 6.43
